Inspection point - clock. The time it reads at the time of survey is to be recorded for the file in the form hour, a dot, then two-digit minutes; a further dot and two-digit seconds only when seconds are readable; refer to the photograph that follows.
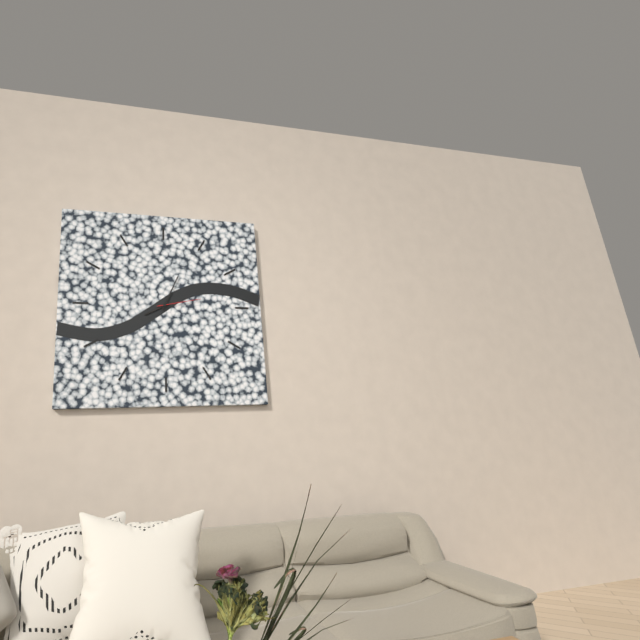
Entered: 8.04
